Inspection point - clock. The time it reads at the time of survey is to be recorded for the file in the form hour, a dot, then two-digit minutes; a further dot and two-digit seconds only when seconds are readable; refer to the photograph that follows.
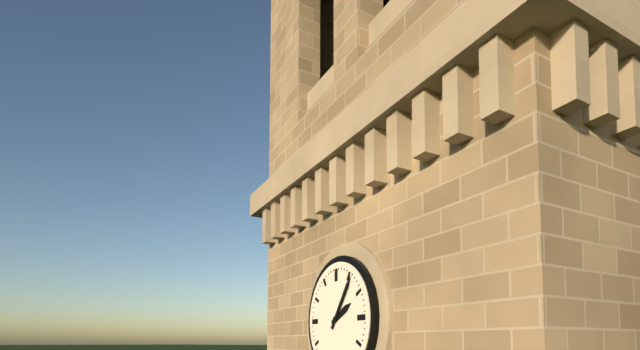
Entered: 2.06
